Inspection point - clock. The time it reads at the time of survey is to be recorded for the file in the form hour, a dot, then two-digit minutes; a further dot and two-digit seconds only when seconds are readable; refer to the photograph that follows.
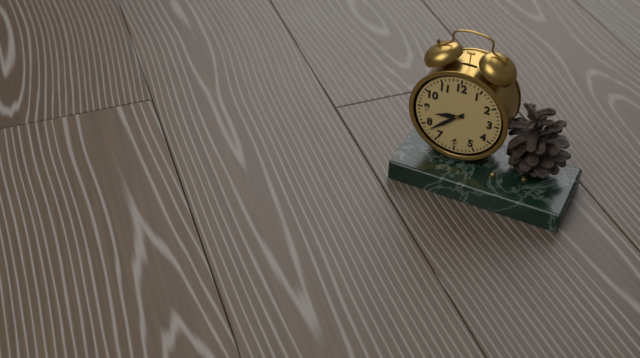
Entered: 8.38
